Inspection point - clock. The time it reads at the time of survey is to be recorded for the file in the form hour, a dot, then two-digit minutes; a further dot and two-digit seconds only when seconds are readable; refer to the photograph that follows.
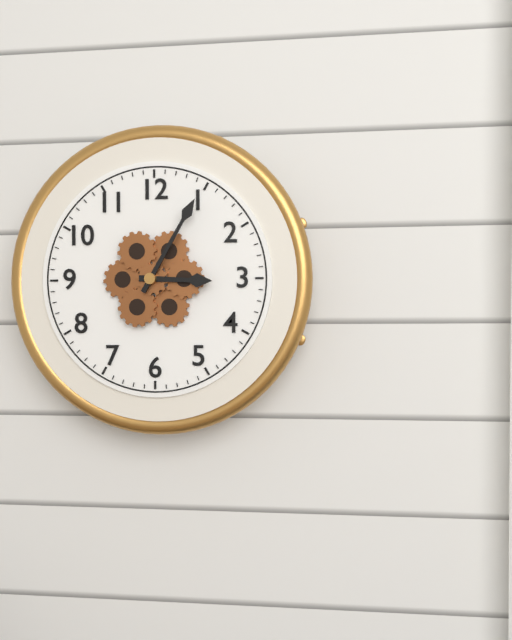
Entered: 3.05
